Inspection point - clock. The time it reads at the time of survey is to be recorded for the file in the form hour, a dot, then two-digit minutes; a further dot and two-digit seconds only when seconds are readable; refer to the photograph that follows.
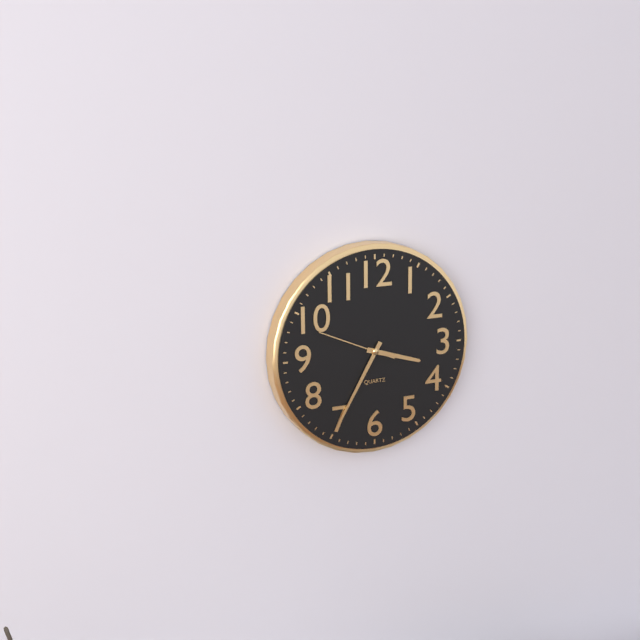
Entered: 3.35.49
